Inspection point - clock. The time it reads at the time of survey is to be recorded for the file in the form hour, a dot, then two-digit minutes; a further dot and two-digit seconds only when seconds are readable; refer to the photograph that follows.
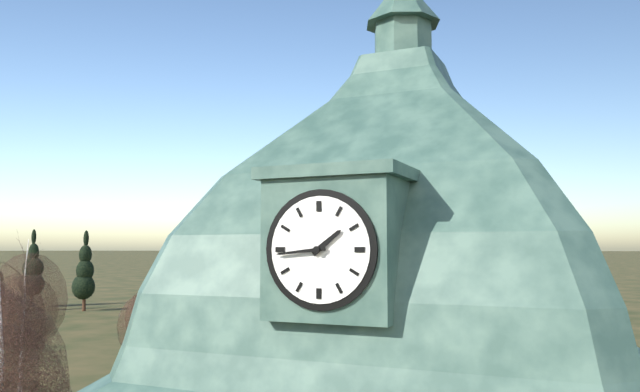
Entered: 1.44
